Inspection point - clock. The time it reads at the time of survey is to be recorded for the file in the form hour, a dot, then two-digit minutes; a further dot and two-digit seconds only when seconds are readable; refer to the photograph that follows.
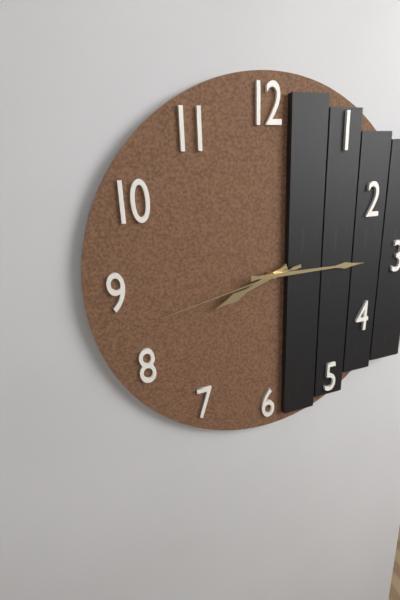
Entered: 8.15.43
